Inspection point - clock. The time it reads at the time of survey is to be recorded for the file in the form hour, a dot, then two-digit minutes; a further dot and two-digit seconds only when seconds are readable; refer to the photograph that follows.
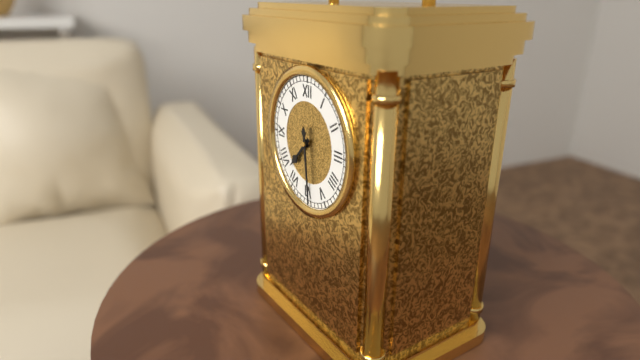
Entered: 7.29
